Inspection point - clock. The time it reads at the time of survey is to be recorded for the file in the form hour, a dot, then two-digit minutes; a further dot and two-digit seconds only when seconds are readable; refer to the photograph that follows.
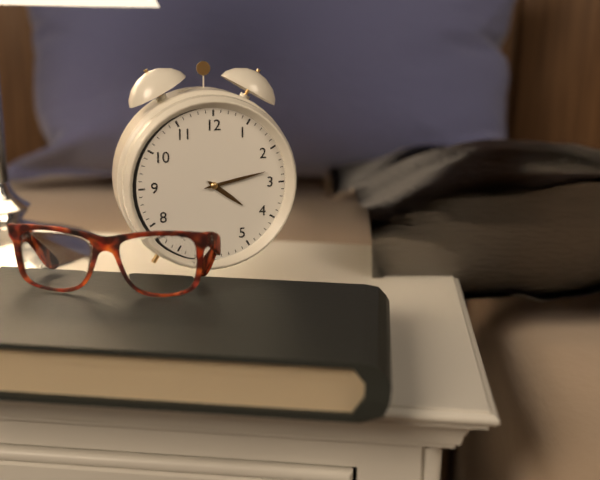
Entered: 4.13
